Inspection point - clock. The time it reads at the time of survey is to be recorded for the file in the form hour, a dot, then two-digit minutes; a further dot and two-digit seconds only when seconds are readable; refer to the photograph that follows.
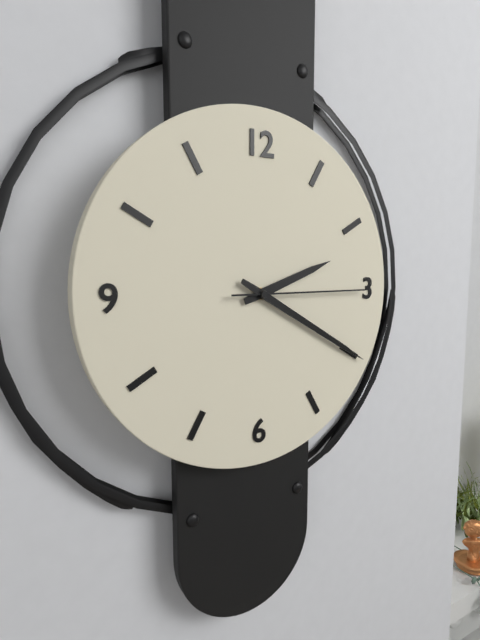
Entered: 2.20.15
